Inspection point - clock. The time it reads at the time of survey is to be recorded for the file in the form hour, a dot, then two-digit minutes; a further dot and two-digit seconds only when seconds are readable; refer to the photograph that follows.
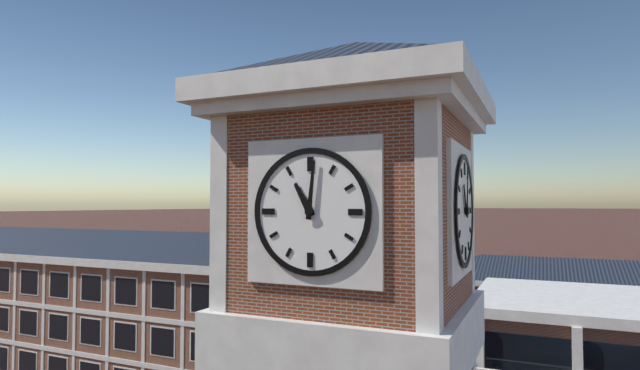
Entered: 11.01
